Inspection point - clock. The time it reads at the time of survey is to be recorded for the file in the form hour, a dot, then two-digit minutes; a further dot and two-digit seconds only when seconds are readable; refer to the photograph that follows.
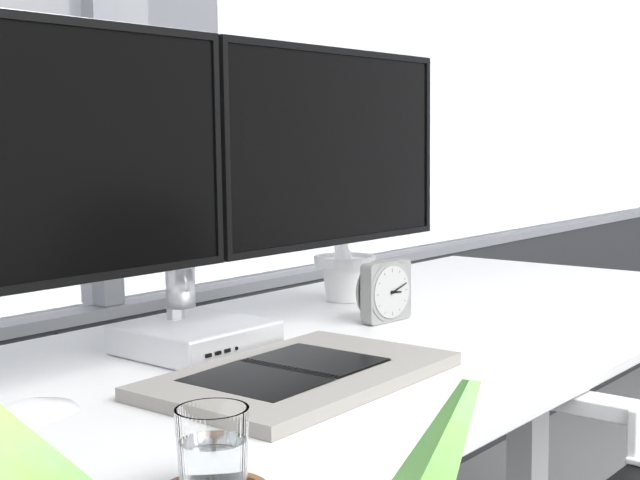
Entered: 3.12
